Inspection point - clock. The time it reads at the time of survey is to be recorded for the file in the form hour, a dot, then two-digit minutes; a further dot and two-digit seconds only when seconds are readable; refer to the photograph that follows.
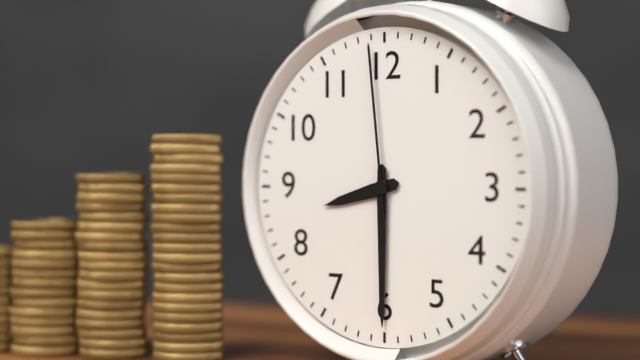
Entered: 8.30.59
